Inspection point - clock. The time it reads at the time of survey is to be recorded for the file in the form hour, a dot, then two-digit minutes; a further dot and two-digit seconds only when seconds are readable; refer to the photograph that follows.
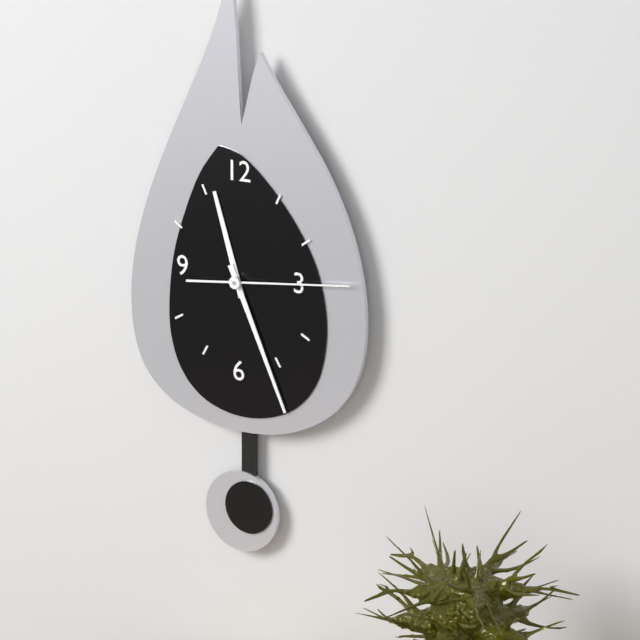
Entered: 11.26.14
